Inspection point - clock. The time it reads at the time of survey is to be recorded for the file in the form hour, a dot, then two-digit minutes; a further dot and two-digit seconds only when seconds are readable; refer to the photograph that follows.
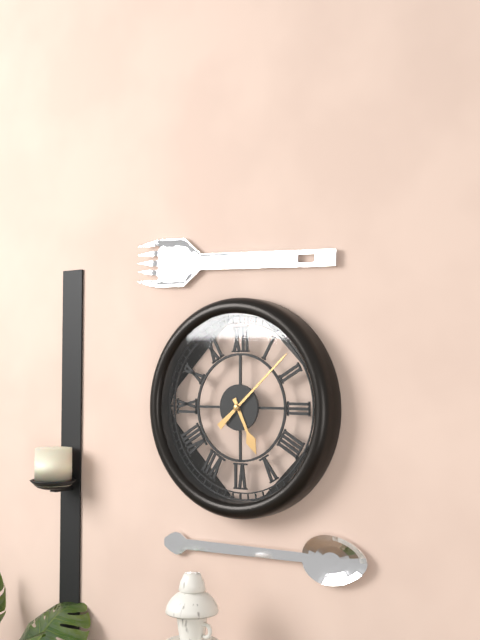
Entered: 5.08
